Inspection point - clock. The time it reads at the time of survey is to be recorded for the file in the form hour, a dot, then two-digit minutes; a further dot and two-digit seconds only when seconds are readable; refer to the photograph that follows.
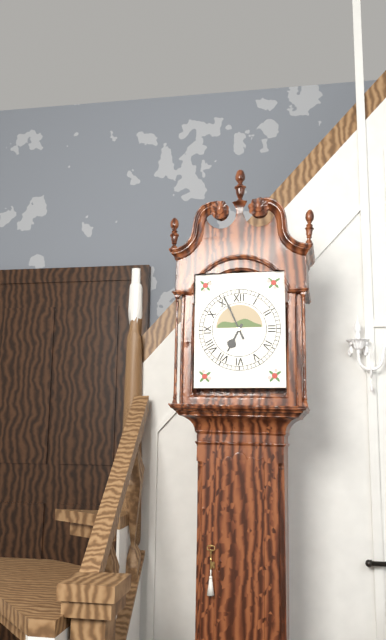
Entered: 6.56
